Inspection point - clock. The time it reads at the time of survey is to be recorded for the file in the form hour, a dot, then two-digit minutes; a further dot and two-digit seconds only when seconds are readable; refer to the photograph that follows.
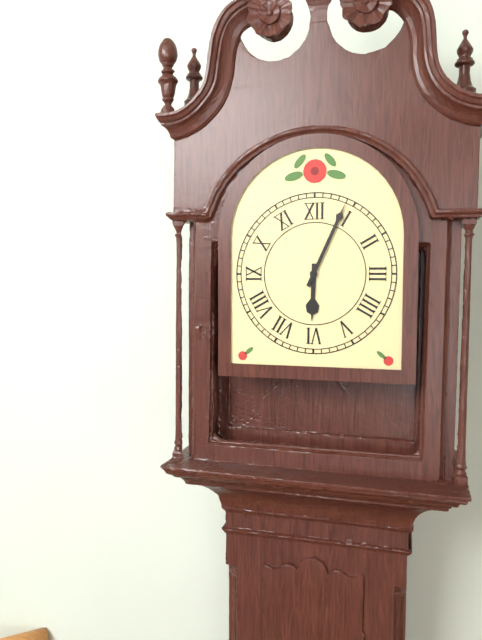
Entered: 6.04
